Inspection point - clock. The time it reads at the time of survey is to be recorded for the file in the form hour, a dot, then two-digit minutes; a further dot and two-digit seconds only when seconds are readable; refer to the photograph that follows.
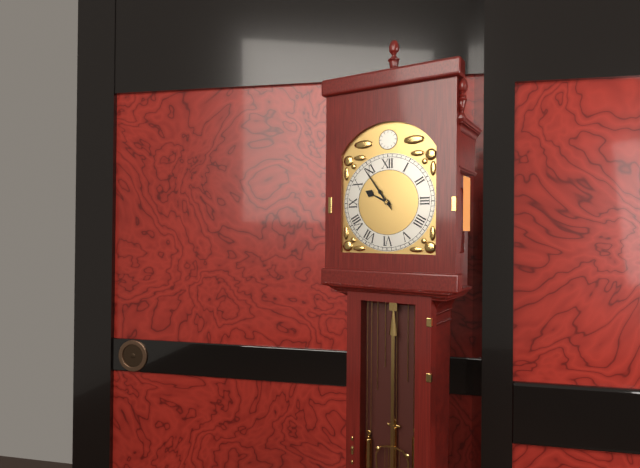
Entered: 9.54
